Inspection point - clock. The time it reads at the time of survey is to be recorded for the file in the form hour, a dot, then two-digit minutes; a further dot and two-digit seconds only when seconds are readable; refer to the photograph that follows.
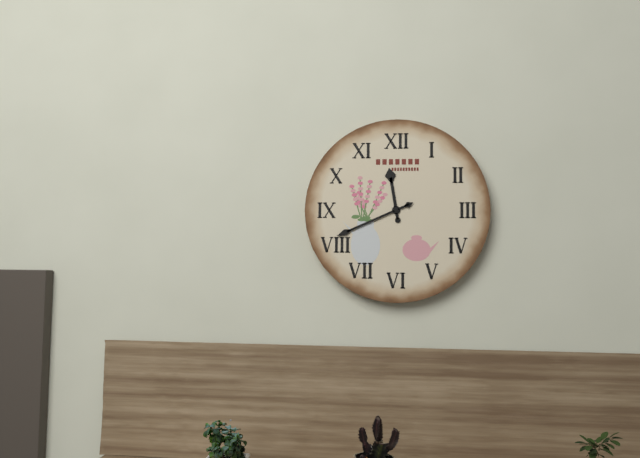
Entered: 11.41
